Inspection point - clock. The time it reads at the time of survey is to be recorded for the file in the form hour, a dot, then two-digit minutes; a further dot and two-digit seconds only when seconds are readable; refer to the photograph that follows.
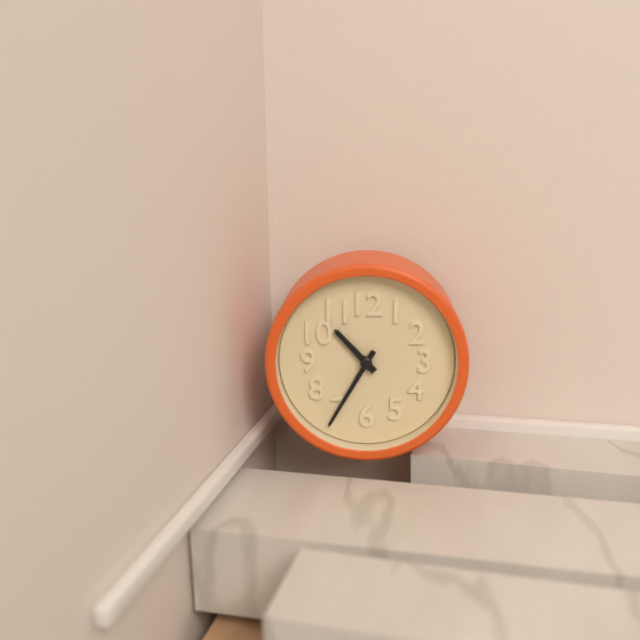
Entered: 10.35
